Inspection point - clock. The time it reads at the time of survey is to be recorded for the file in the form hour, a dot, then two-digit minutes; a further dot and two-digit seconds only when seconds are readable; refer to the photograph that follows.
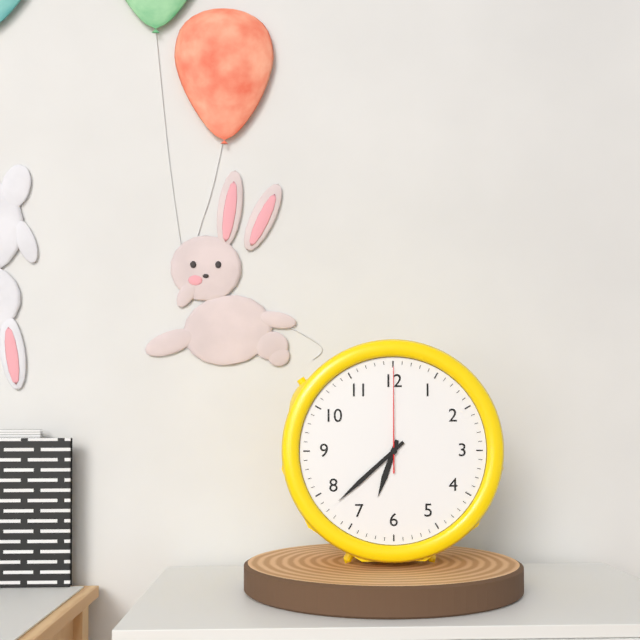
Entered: 6.38.00
